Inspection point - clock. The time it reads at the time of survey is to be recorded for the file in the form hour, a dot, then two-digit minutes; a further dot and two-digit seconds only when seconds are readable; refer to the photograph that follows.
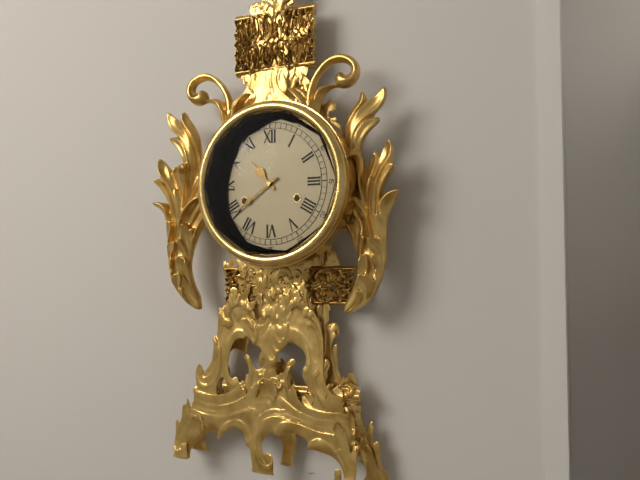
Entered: 10.39
